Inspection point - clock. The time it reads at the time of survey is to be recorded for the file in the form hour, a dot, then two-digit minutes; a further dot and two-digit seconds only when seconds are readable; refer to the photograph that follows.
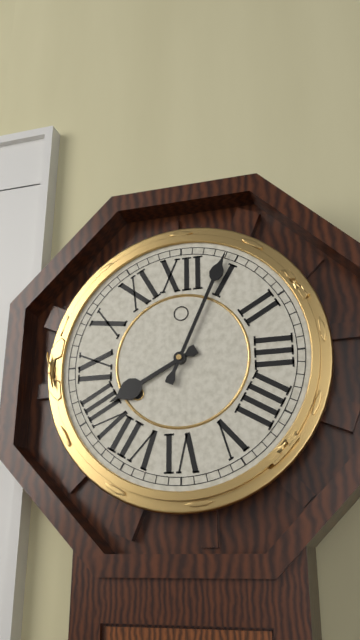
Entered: 8.04
